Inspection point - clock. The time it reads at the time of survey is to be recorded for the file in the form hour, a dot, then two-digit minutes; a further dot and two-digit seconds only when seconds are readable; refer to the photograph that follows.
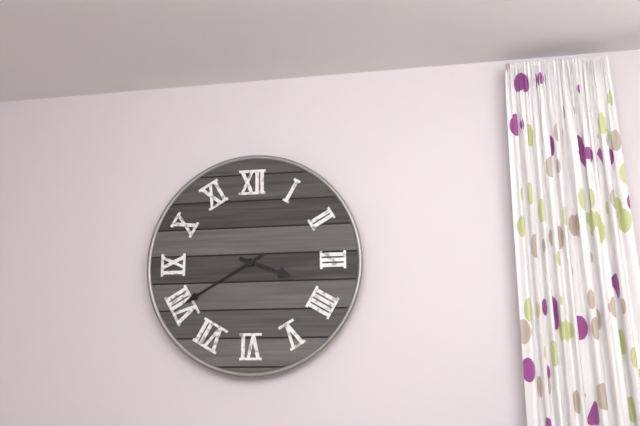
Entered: 3.40
